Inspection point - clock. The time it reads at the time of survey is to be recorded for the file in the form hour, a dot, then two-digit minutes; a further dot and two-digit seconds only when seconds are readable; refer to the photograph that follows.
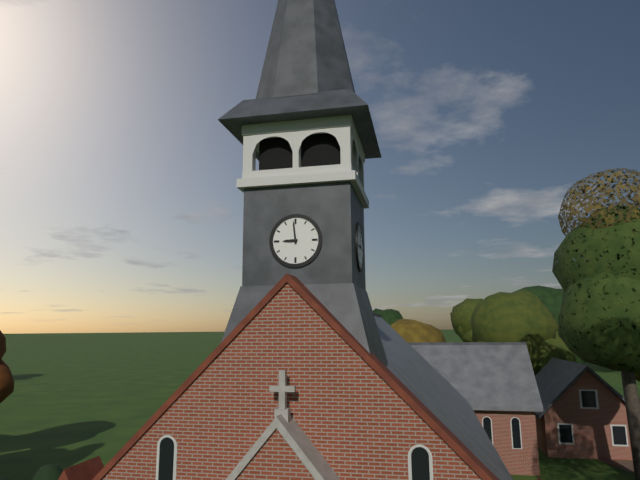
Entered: 8.59
